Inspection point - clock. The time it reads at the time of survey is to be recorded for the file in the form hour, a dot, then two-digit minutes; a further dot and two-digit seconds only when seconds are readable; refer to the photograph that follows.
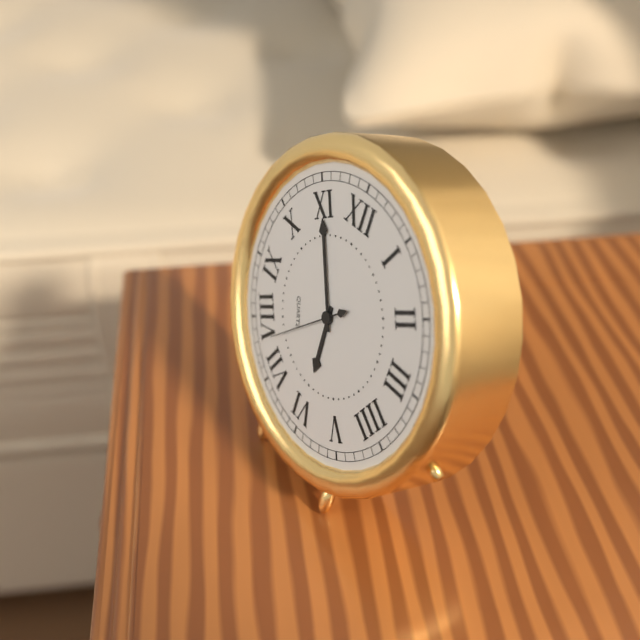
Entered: 5.55.38
